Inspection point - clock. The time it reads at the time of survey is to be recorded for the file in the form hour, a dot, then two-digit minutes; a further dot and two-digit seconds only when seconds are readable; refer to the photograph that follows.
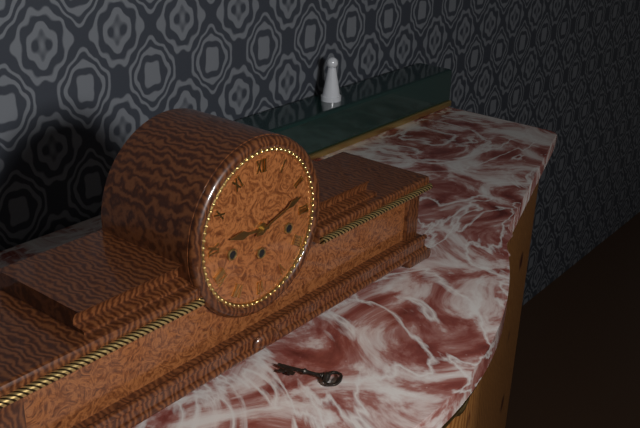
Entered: 9.12
